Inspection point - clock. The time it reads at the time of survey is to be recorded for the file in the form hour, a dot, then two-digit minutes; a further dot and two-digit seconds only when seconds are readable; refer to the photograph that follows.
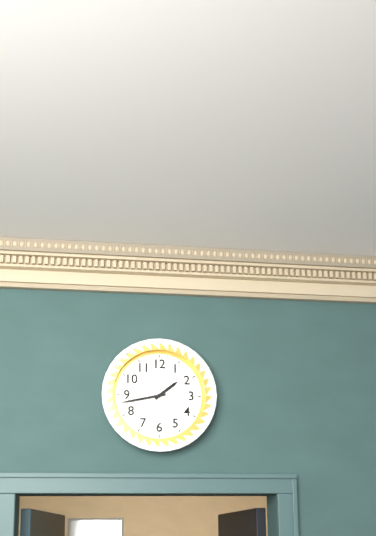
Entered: 1.43
